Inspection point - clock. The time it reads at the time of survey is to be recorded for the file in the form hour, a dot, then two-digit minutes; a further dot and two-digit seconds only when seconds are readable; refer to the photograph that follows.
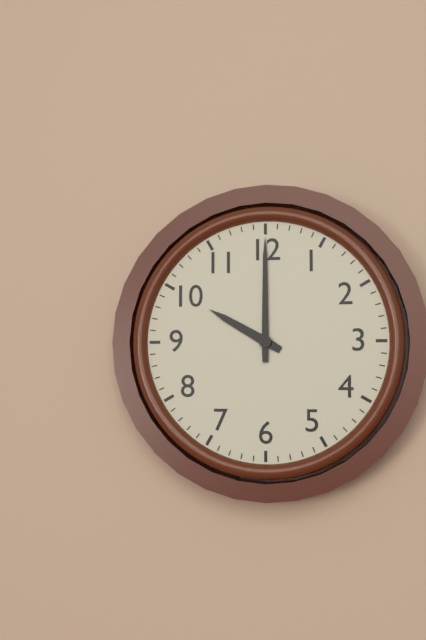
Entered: 10.00
